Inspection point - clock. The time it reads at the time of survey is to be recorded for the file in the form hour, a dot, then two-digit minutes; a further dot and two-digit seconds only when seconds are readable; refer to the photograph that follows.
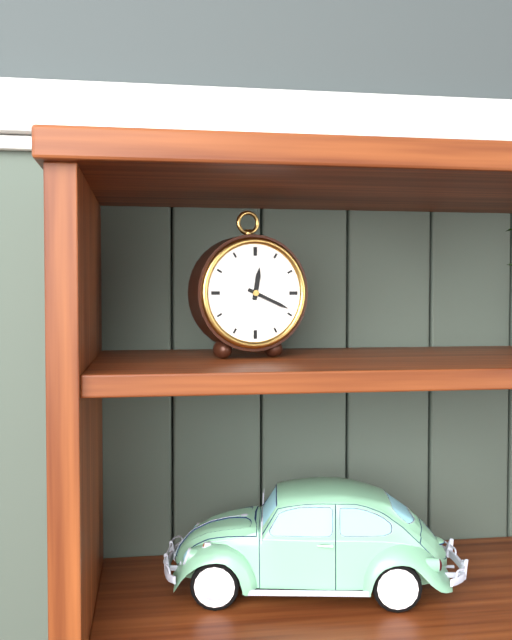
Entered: 12.19
